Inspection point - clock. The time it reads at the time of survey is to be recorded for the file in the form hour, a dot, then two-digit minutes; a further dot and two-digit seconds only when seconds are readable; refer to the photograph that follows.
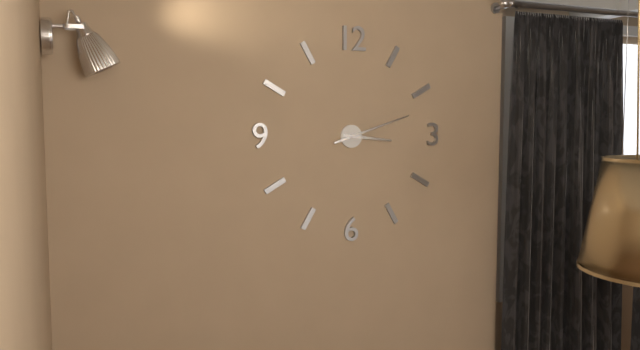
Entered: 3.12
